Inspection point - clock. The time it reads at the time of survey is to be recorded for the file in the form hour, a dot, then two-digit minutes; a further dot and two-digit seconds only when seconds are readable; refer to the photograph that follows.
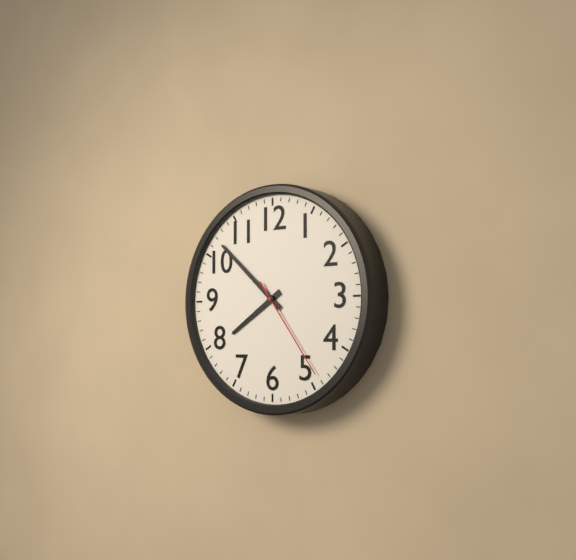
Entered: 7.52.24
